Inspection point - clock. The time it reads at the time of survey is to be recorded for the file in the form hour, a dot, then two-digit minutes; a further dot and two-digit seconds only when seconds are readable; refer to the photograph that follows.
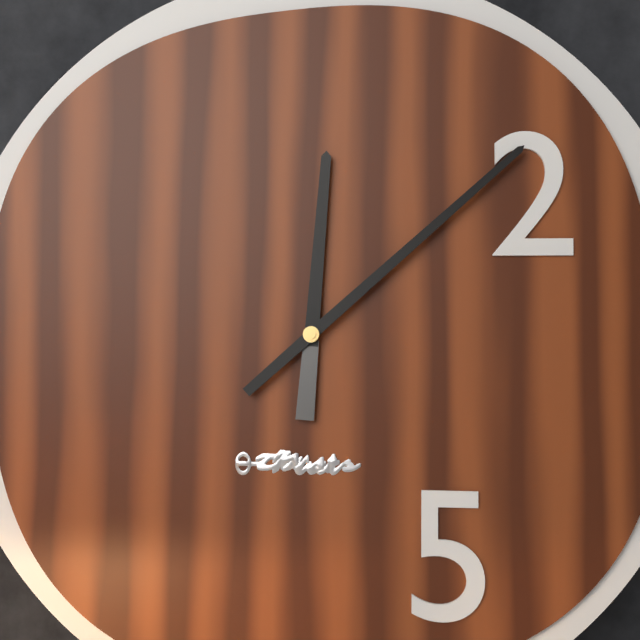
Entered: 12.08
